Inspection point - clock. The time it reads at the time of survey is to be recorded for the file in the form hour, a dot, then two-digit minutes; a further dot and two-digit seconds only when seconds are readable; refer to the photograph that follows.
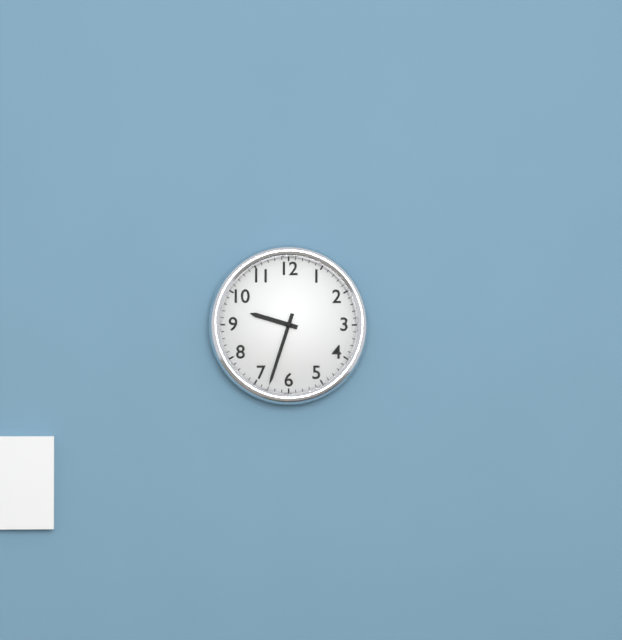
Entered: 9.33
